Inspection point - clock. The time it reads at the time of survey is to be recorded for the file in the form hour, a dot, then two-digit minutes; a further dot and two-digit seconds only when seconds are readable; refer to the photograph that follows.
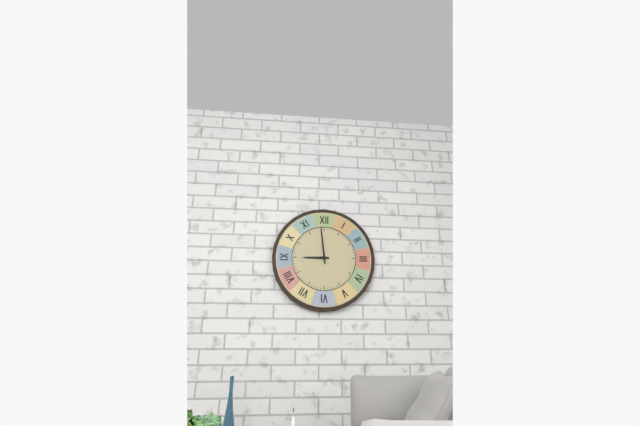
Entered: 8.59
